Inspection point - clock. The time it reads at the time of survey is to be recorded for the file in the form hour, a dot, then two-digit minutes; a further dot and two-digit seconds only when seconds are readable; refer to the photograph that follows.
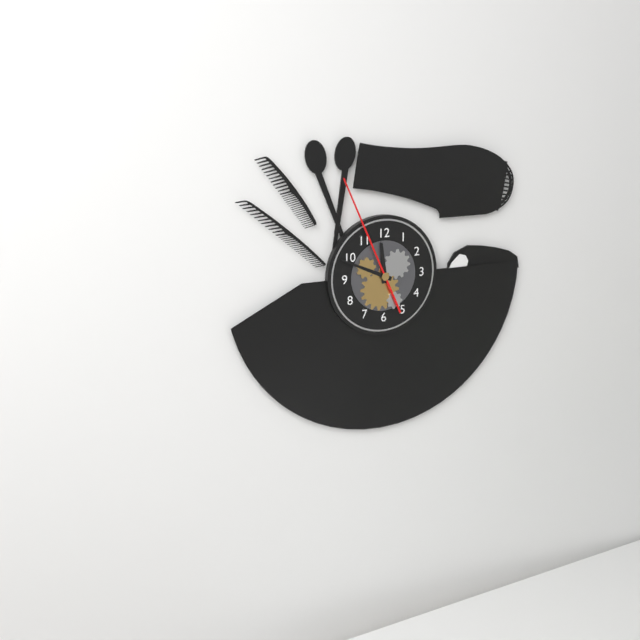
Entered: 11.49.56
